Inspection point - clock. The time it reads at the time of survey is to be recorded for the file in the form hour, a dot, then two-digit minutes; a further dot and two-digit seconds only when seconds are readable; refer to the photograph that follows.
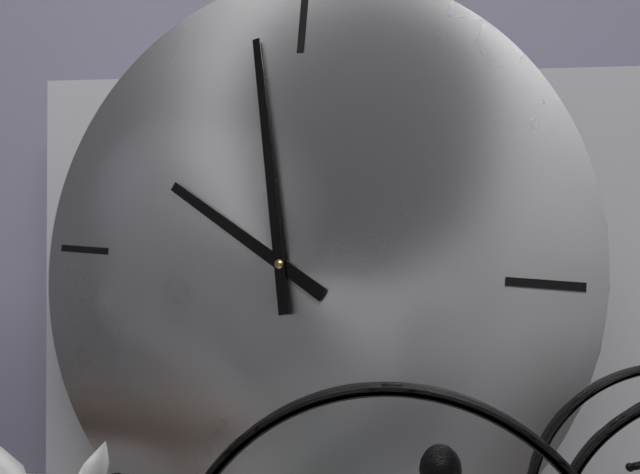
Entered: 9.58
